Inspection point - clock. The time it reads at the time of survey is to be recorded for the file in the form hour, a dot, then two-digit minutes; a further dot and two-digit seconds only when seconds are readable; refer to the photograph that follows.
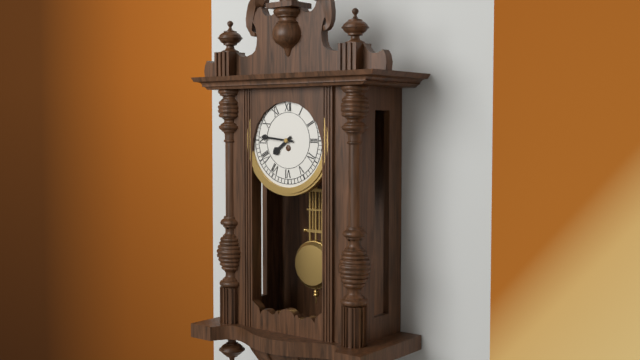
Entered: 7.46
